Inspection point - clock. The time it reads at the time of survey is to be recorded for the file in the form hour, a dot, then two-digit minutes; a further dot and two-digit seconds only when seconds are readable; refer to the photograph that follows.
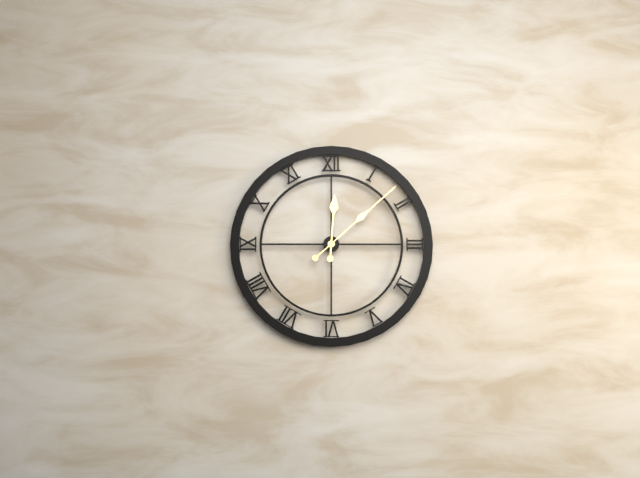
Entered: 12.08
